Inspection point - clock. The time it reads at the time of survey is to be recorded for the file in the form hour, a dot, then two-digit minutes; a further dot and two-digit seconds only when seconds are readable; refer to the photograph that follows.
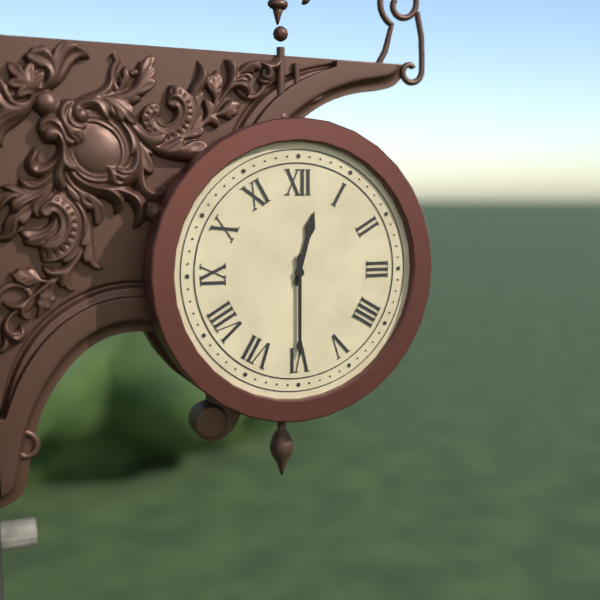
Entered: 12.30
